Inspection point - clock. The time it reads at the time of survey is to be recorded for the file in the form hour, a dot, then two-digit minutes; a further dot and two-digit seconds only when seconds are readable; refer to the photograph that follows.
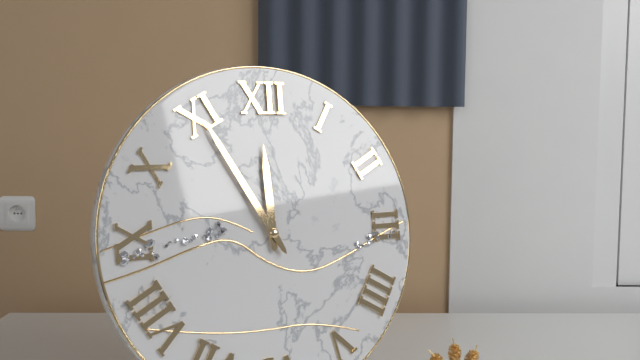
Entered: 11.55
